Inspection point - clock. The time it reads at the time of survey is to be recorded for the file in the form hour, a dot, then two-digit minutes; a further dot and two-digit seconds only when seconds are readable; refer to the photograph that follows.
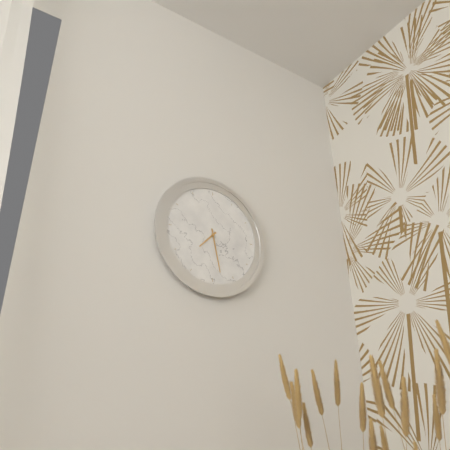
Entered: 7.28
